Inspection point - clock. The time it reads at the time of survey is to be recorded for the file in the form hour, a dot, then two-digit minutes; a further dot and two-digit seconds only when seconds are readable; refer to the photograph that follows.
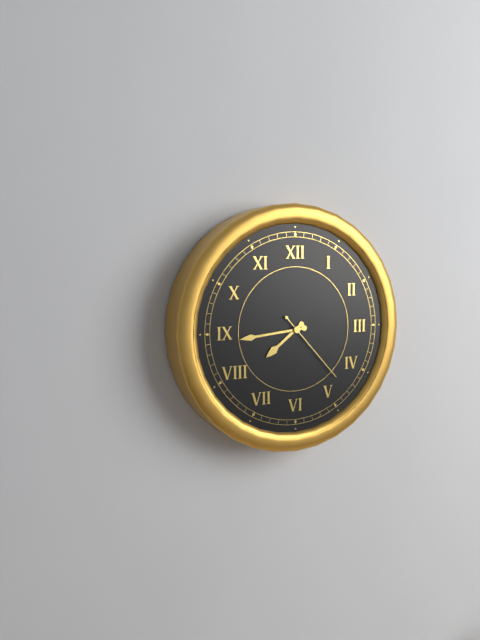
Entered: 7.44.23
